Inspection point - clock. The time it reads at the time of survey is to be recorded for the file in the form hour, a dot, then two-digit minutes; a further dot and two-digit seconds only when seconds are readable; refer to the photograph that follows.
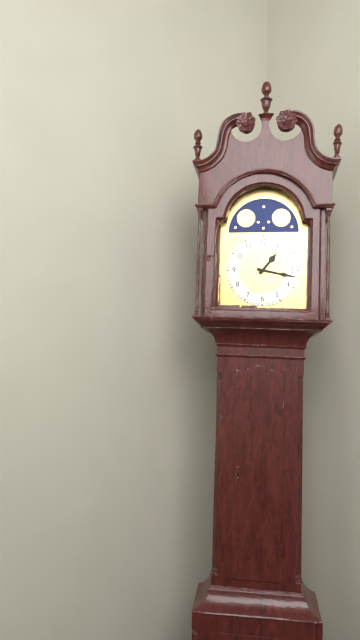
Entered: 1.17
